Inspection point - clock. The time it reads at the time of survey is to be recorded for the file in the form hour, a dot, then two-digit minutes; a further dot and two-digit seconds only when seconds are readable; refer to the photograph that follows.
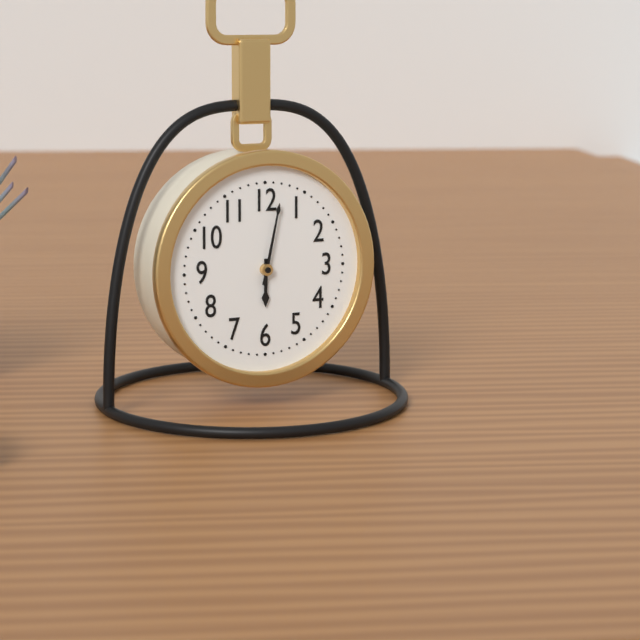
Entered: 6.02
